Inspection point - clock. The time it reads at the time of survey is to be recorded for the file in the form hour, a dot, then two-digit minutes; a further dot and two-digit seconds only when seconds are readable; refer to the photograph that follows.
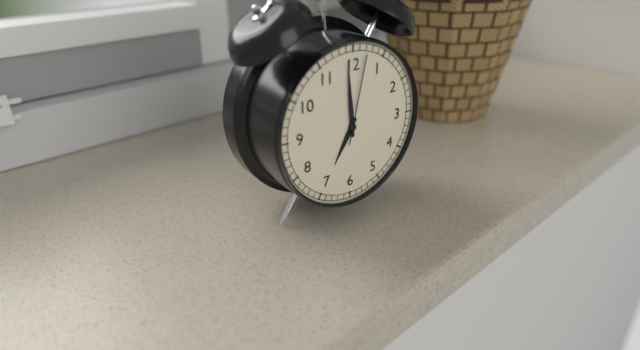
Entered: 6.59.02
